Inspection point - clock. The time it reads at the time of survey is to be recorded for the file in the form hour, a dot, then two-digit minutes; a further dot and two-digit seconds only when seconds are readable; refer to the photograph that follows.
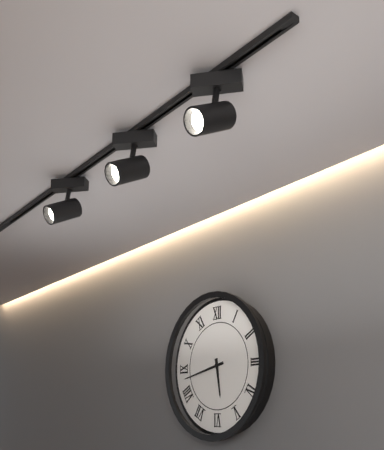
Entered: 5.43
